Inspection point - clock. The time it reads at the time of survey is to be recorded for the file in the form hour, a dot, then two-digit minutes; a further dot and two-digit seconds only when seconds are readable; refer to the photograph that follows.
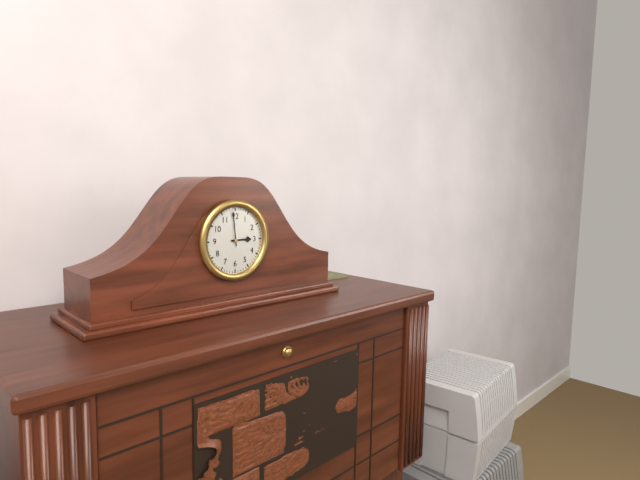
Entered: 2.59
